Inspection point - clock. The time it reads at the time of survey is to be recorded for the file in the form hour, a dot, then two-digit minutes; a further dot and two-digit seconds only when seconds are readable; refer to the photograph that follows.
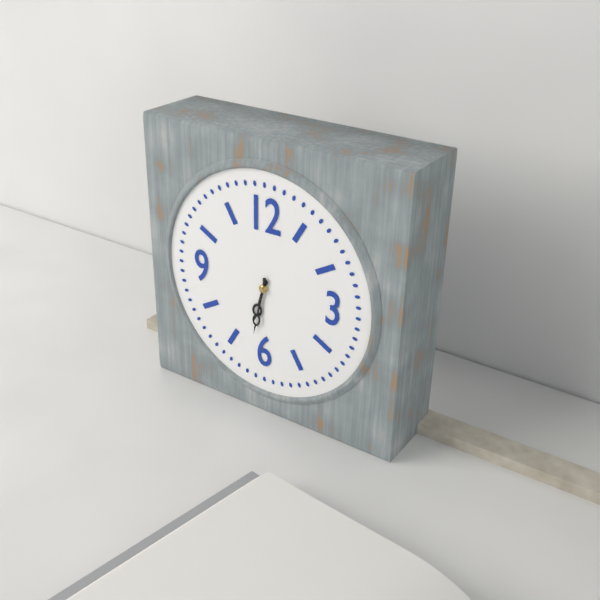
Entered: 6.32
